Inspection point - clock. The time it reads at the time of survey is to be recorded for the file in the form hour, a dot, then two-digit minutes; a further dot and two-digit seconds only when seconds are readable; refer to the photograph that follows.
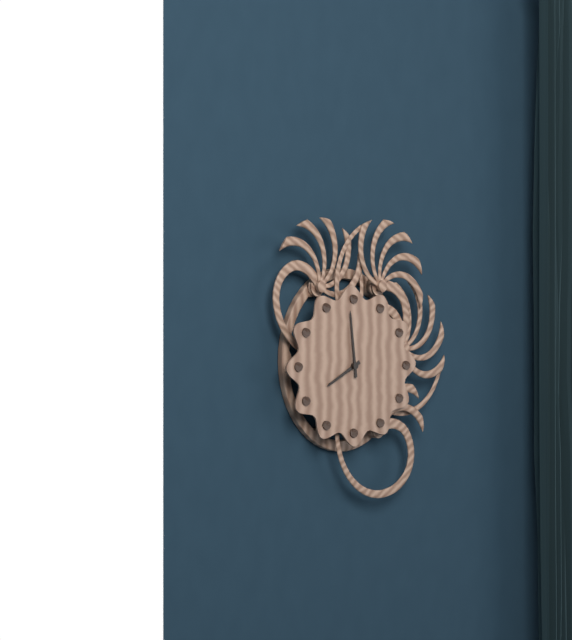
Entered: 7.59
